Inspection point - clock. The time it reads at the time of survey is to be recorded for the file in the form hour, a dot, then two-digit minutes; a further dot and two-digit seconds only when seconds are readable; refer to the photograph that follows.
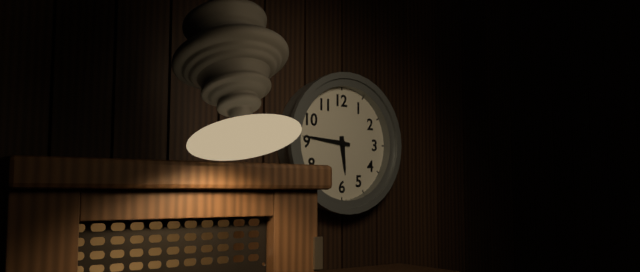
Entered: 5.46
